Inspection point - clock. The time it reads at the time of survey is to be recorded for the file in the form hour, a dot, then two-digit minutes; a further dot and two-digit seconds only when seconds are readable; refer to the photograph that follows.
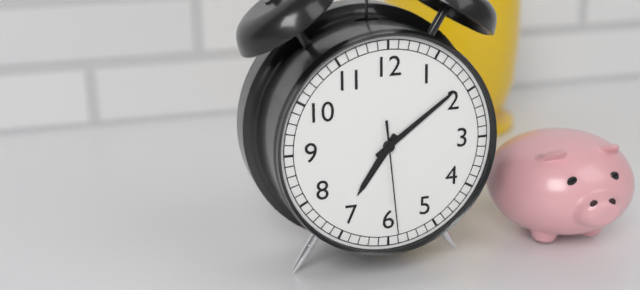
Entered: 7.09.29
